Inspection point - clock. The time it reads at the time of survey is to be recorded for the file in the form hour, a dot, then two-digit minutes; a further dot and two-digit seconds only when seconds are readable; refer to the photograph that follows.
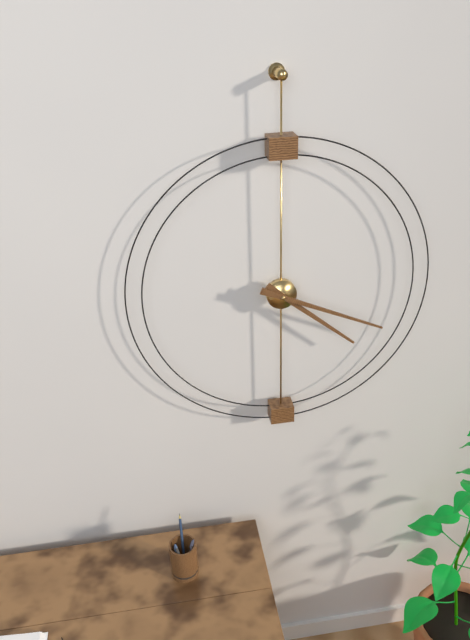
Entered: 4.19
